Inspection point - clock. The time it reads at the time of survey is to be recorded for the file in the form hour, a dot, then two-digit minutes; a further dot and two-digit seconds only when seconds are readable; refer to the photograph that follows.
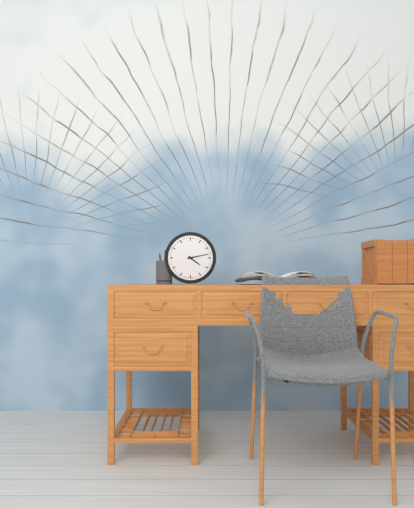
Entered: 4.13
